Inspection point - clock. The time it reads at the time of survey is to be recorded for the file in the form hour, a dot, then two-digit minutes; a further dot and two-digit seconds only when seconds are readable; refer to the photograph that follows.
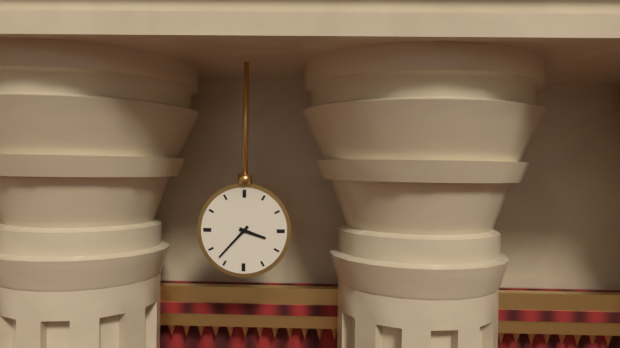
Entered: 3.37
